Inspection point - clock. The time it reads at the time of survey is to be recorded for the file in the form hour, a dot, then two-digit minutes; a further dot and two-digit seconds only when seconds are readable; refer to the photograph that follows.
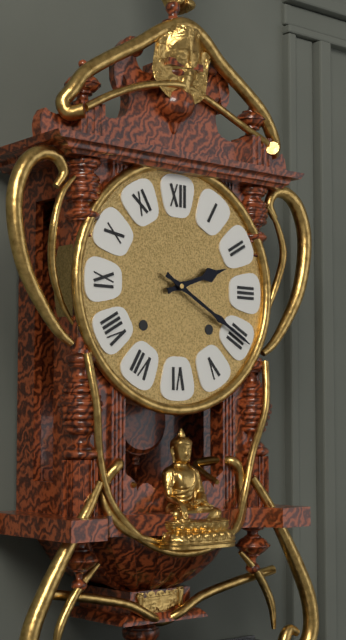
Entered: 2.20
